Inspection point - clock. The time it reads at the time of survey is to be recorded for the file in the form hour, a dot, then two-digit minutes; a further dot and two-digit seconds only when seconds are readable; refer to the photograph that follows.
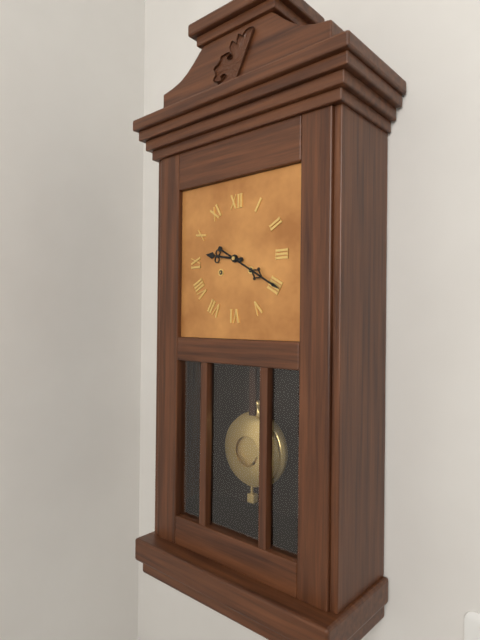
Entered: 9.20
